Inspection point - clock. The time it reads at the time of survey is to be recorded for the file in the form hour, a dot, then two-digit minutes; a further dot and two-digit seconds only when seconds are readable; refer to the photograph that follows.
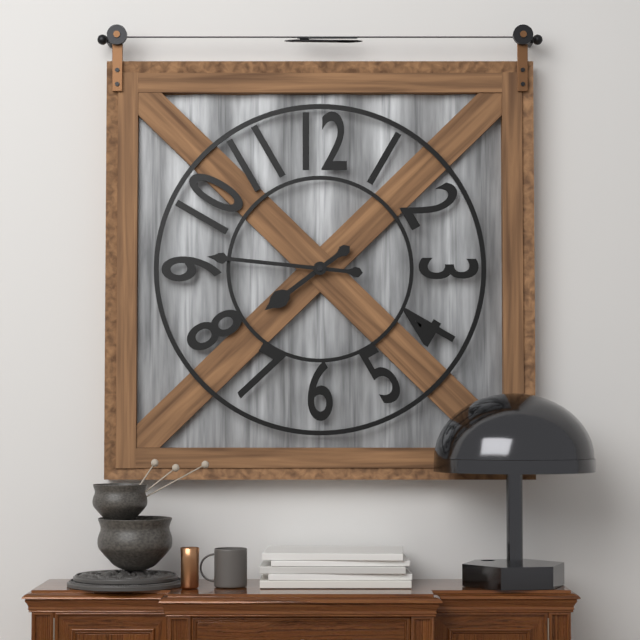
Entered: 7.46
